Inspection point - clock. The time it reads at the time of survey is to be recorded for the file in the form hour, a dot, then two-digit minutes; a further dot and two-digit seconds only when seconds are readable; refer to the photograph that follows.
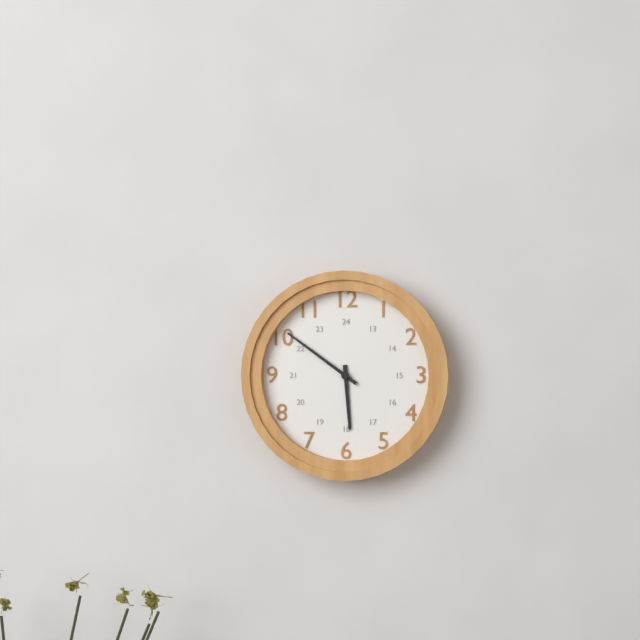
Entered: 5.51
